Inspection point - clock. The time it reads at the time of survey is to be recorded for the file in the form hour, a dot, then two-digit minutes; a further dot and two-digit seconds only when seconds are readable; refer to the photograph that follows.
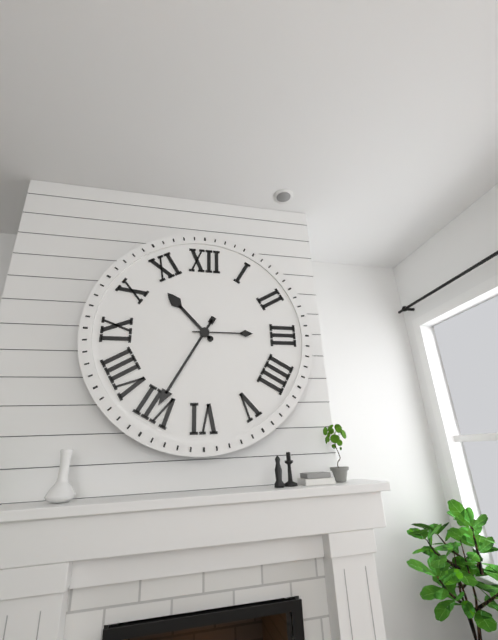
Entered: 10.35.15
